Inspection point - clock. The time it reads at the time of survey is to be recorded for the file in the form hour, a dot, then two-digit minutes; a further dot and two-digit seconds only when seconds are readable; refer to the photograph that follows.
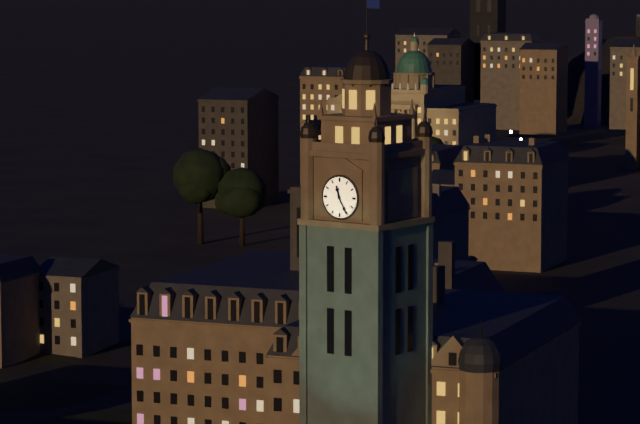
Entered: 11.25
